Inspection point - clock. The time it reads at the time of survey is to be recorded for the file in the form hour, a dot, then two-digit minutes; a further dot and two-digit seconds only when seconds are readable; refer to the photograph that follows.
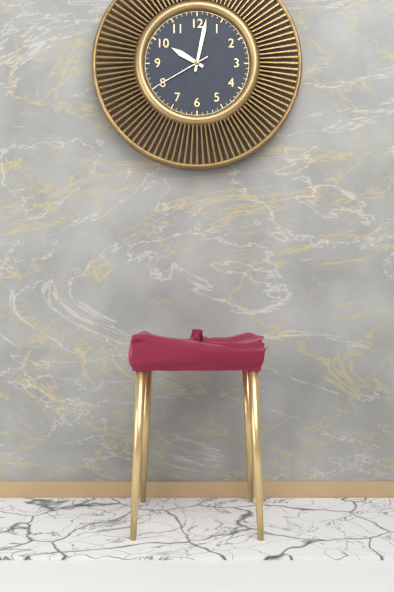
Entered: 10.02.40
